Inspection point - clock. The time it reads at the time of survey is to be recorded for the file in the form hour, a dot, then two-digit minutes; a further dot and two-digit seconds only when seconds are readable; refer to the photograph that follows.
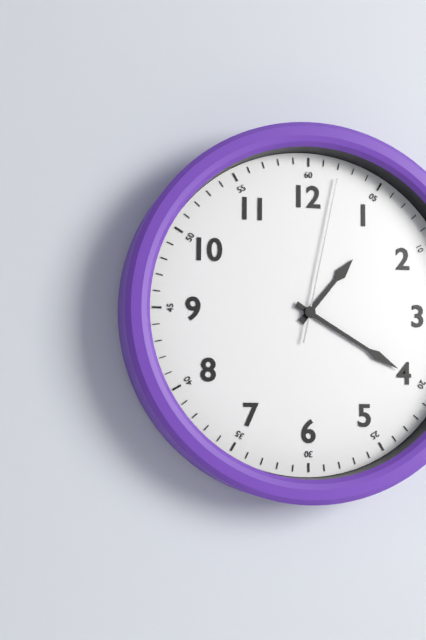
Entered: 1.20.02
